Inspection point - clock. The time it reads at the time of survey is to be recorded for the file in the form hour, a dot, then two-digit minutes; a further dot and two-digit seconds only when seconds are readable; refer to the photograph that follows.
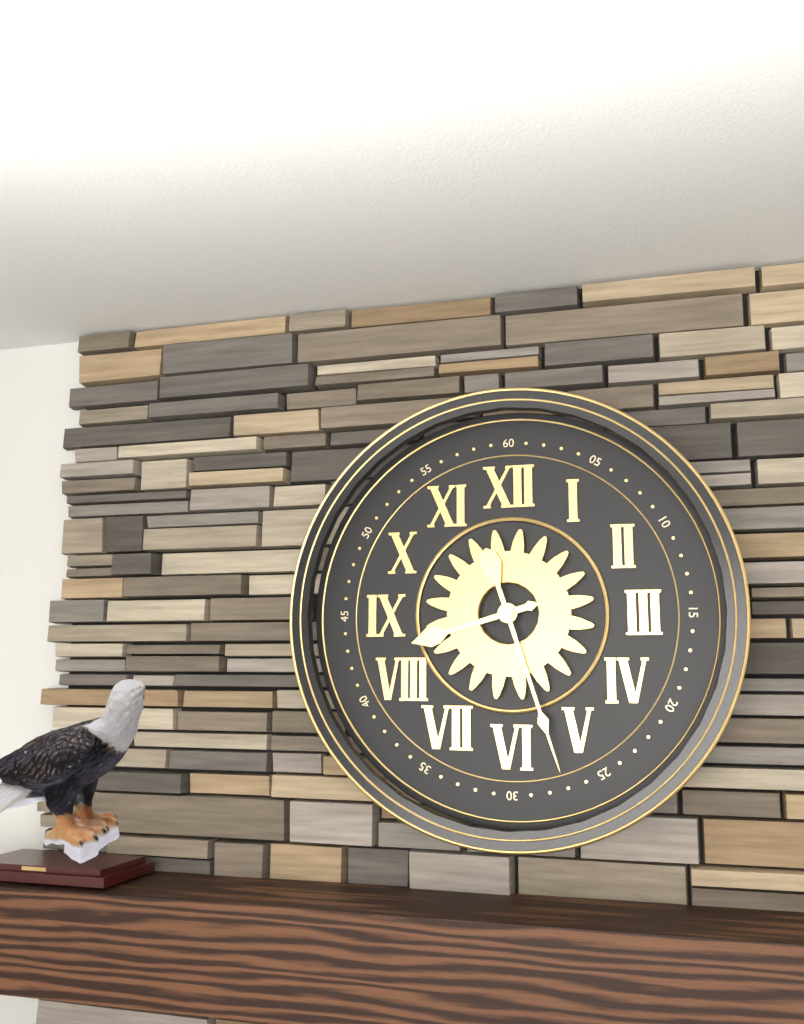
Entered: 8.27
